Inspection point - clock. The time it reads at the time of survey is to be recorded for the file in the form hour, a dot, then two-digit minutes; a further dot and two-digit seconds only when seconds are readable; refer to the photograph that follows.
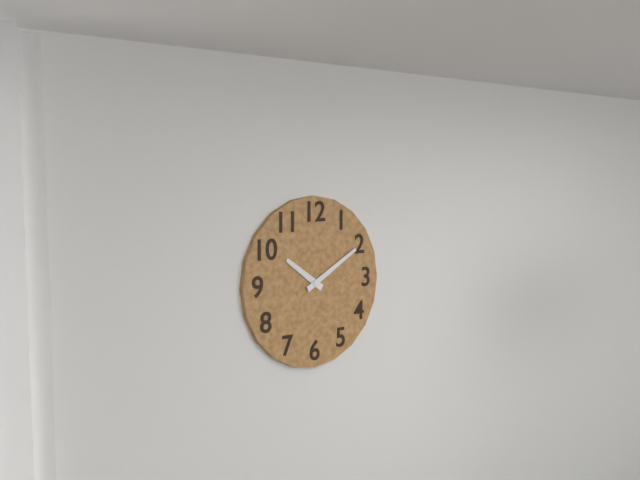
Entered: 10.10
